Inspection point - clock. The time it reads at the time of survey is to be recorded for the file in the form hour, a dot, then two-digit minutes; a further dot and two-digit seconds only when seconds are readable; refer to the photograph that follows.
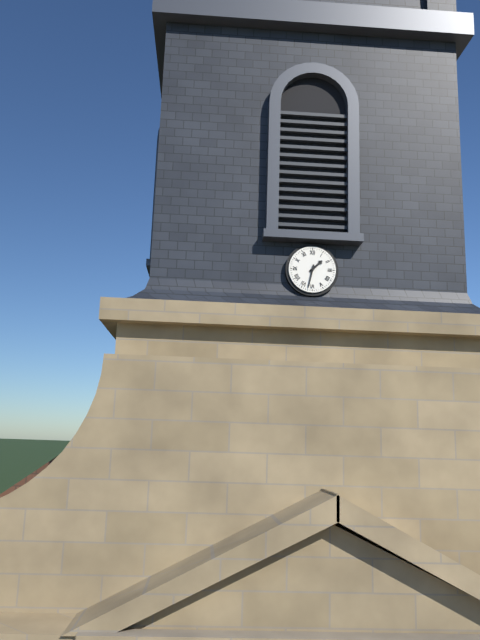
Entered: 1.32
